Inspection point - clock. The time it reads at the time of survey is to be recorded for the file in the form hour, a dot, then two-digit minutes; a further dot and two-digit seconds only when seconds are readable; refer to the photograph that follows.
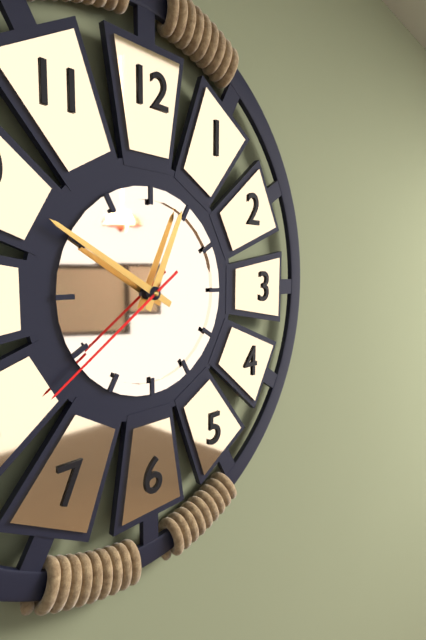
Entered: 12.50.39
